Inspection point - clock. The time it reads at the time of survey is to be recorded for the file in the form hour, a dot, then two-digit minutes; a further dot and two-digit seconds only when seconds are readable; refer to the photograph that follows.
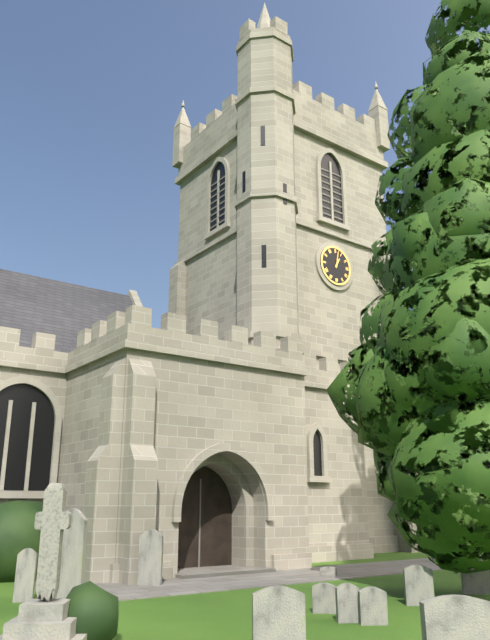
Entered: 1.02
